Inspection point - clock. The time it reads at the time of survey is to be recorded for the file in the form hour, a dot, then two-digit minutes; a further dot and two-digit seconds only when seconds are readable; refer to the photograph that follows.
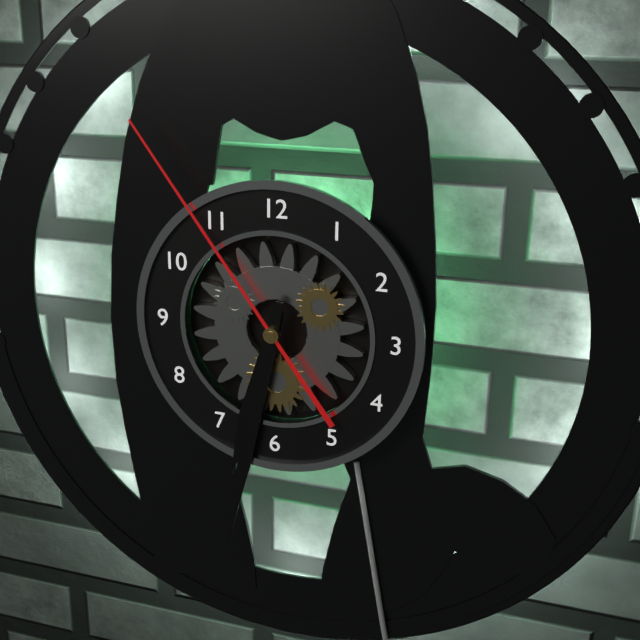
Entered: 6.32.54
